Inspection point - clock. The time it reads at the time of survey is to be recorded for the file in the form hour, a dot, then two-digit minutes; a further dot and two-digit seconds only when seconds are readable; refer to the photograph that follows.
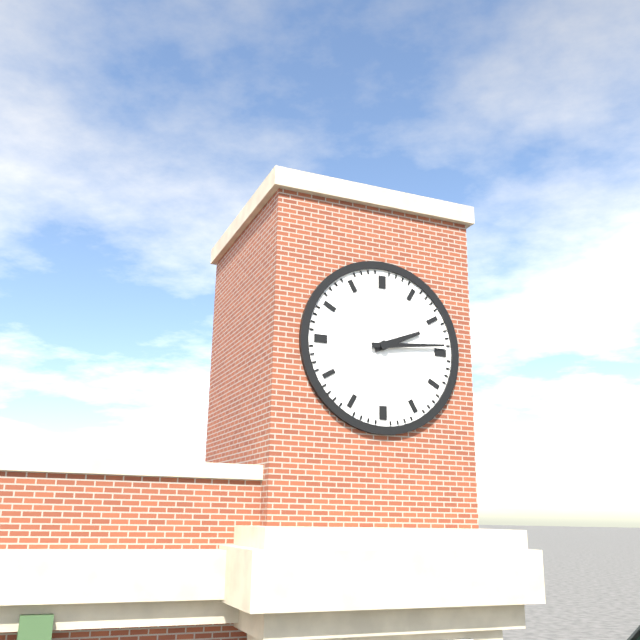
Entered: 2.14
